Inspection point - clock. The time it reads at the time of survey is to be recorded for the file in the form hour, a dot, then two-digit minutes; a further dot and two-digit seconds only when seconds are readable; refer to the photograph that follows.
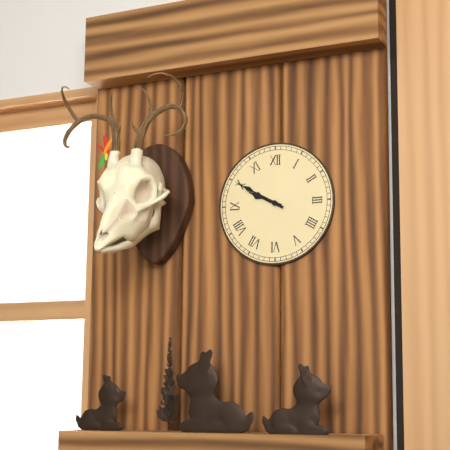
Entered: 9.50
